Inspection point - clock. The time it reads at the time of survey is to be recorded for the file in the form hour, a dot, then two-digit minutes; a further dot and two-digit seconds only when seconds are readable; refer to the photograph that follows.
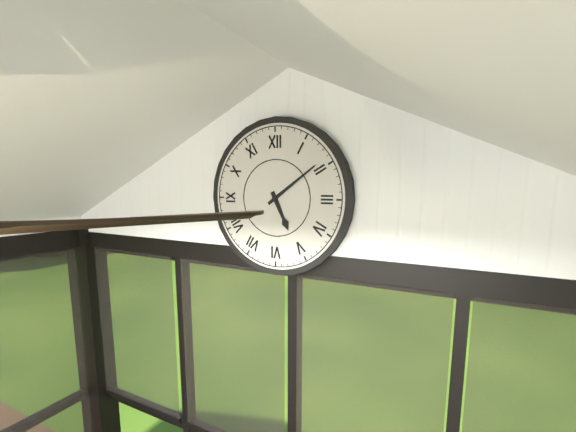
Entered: 5.09
